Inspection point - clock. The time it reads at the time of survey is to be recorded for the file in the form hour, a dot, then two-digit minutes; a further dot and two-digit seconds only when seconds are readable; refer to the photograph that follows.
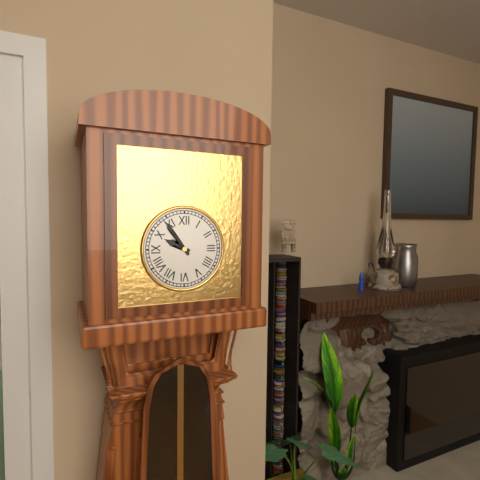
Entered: 9.54
